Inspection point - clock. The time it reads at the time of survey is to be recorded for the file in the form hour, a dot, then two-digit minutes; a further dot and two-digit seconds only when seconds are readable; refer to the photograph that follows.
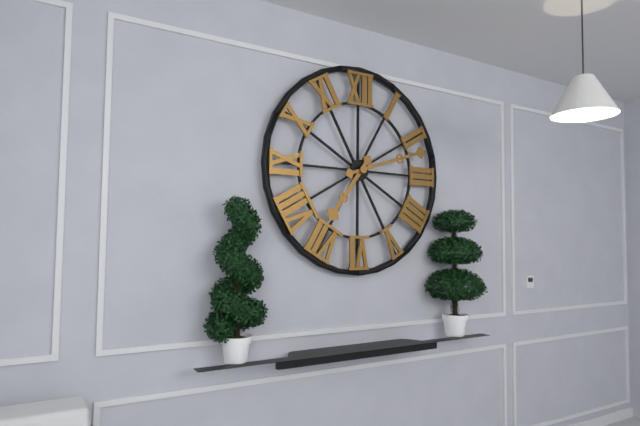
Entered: 7.12
